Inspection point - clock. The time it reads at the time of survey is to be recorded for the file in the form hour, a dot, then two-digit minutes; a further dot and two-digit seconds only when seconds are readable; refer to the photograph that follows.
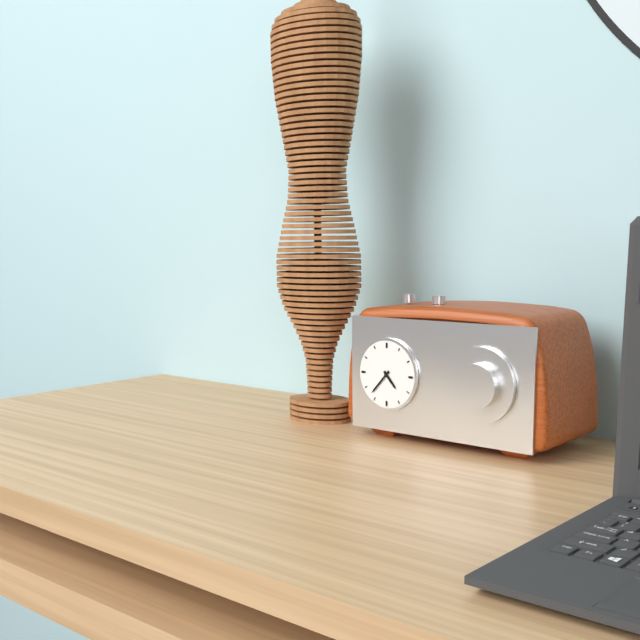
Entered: 4.37
